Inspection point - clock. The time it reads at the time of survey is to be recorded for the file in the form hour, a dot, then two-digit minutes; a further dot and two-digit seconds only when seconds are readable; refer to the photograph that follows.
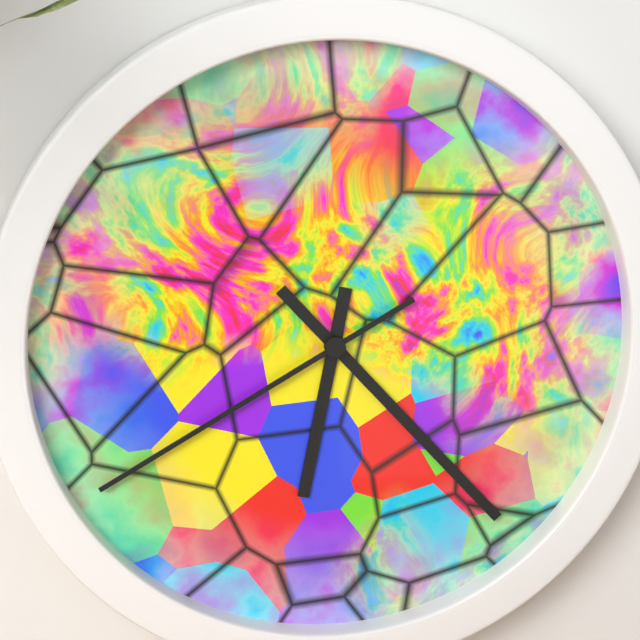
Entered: 6.23.40
